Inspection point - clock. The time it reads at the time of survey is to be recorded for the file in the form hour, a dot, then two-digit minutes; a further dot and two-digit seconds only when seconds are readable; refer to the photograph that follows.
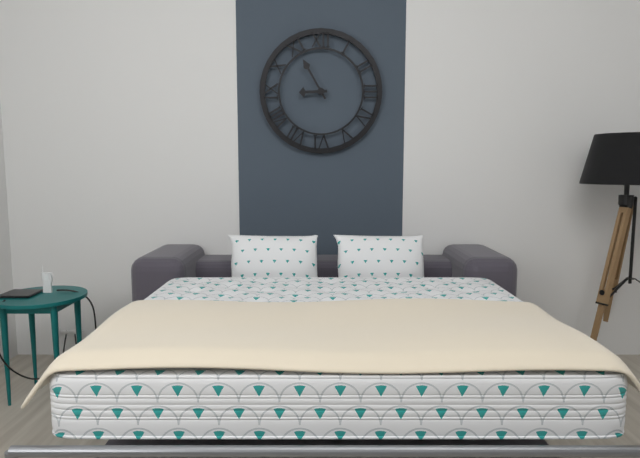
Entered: 8.55
